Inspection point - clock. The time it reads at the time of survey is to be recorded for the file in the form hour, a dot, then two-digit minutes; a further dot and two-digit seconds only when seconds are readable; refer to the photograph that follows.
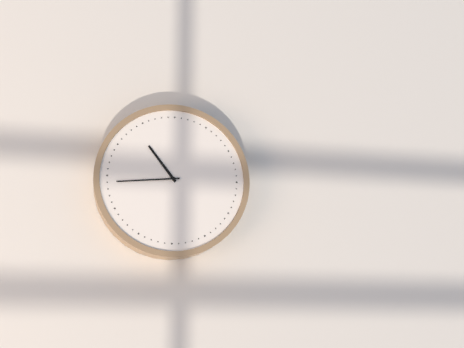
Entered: 10.44
